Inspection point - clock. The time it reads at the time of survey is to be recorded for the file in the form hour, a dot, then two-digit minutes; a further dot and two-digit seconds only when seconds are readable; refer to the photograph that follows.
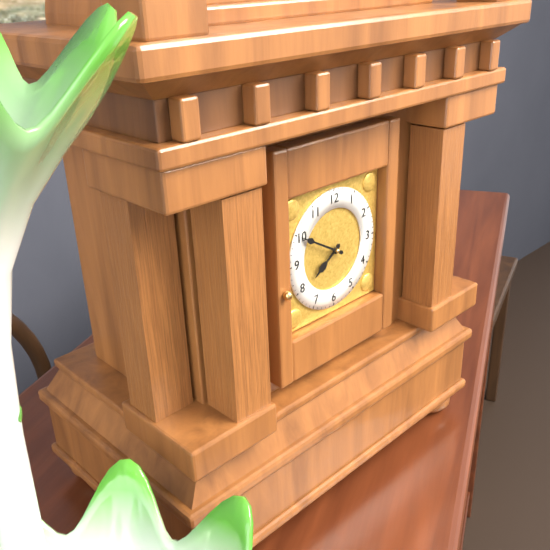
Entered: 7.50
